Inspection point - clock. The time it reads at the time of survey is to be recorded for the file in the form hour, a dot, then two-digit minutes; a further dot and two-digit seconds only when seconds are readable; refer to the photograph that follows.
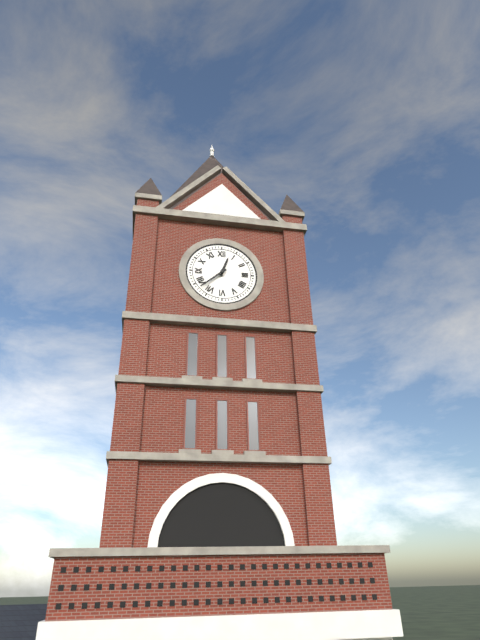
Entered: 12.38
